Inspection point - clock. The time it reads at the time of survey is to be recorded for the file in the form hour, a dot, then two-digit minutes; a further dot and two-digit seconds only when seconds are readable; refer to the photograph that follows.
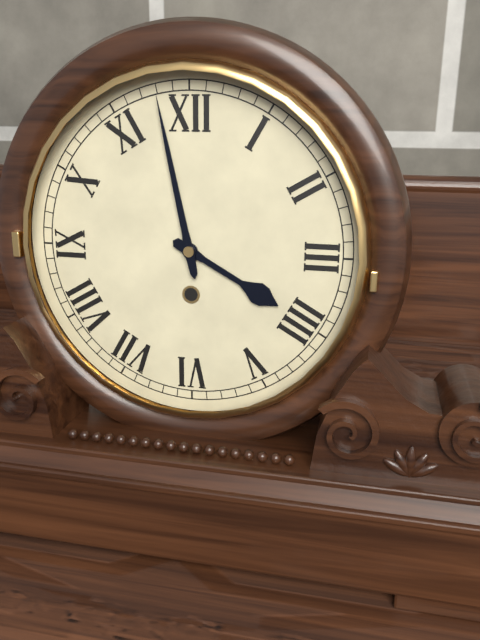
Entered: 3.58
